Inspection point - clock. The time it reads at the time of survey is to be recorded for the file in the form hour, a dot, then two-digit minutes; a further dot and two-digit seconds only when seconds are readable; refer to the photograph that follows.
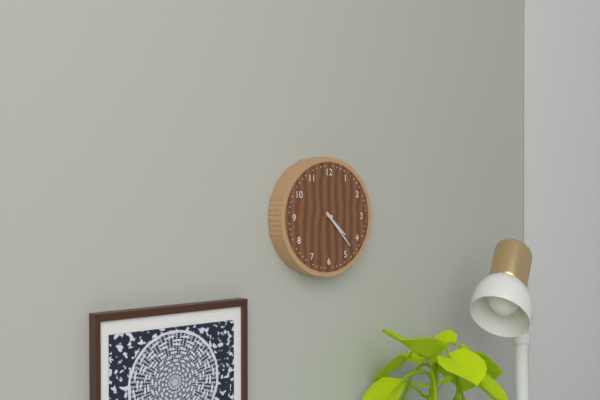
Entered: 4.23
